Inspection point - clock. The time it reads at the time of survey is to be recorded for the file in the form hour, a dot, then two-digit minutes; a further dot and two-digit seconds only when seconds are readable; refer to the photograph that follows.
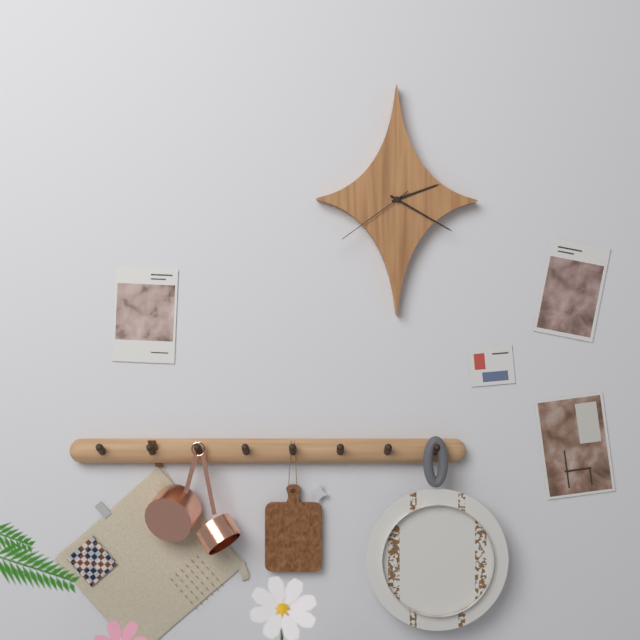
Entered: 2.20.39
